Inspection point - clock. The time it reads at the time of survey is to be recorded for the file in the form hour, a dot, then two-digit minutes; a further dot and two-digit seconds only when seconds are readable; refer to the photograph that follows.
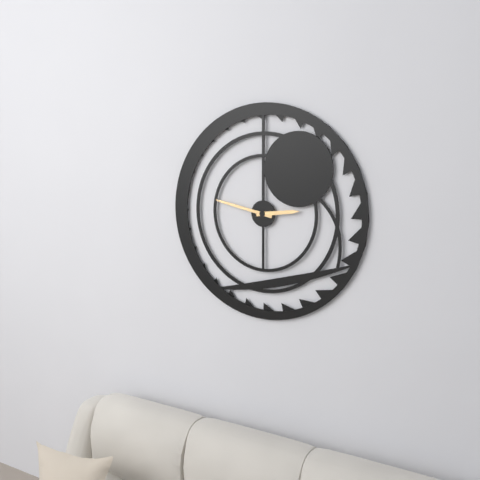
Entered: 2.47
